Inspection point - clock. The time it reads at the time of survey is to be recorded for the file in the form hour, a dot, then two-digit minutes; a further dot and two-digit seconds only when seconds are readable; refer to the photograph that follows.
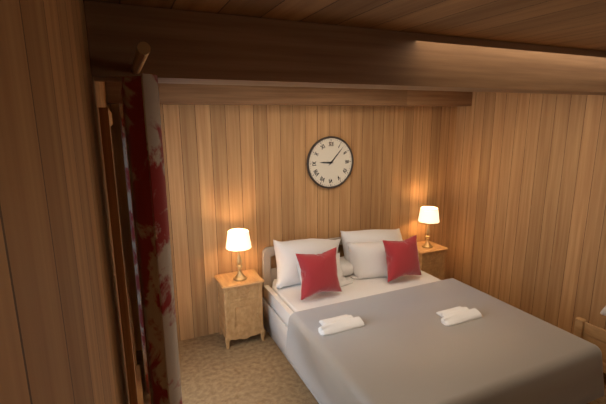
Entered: 9.07
